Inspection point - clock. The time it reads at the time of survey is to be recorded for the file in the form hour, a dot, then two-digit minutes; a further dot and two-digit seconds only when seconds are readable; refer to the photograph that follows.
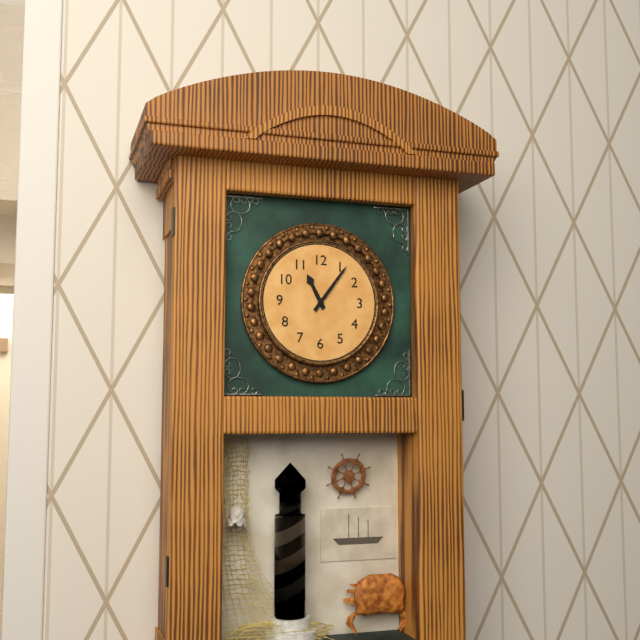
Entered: 11.06
